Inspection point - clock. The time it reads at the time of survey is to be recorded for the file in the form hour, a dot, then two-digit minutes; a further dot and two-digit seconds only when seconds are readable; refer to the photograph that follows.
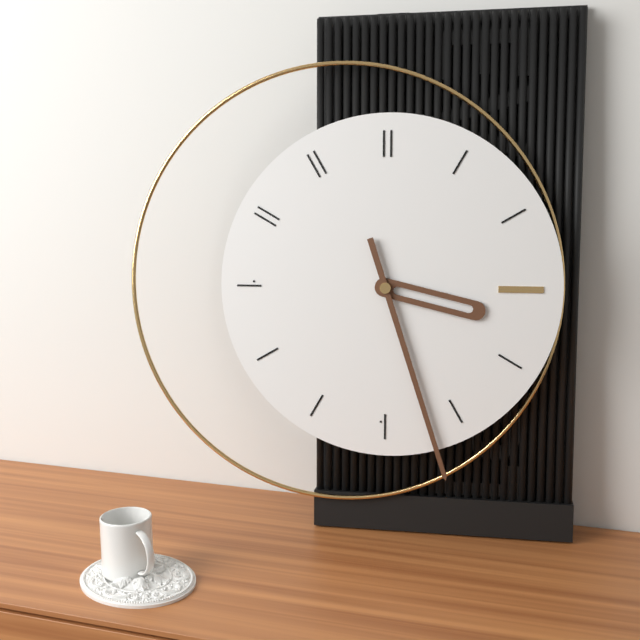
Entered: 3.27
